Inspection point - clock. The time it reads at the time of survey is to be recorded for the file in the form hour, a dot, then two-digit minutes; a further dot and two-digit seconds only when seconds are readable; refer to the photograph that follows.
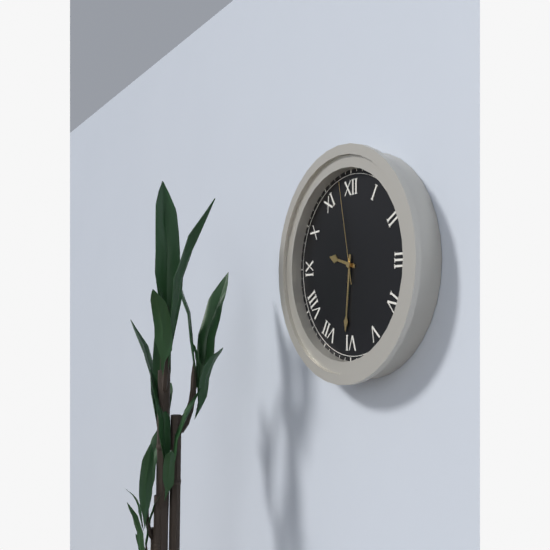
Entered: 9.31.58
